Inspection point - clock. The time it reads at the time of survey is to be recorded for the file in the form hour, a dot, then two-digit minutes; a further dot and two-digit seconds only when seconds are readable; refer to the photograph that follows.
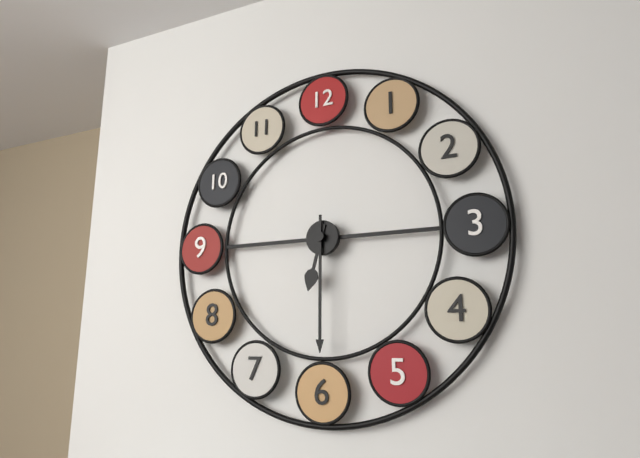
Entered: 6.30
